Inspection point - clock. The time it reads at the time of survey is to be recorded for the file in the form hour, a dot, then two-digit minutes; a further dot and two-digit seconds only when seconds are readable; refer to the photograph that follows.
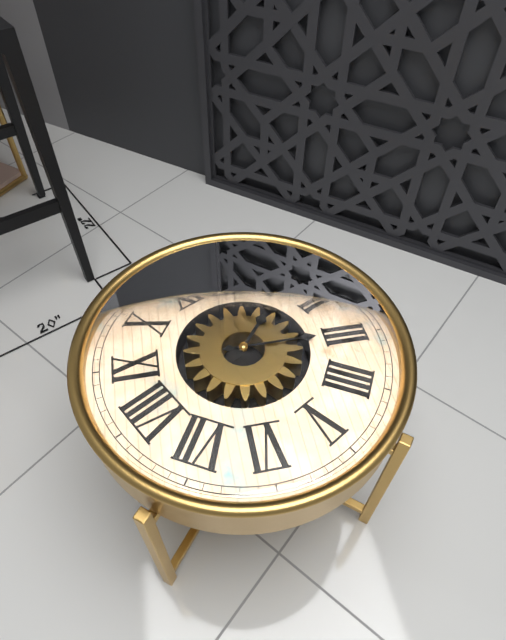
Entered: 1.15
